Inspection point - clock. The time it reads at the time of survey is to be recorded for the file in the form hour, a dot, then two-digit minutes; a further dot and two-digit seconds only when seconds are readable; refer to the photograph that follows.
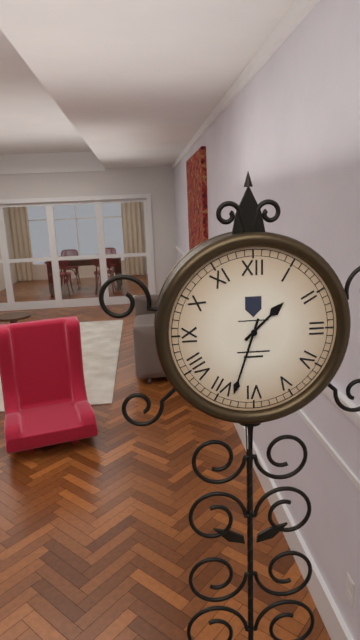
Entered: 1.33
